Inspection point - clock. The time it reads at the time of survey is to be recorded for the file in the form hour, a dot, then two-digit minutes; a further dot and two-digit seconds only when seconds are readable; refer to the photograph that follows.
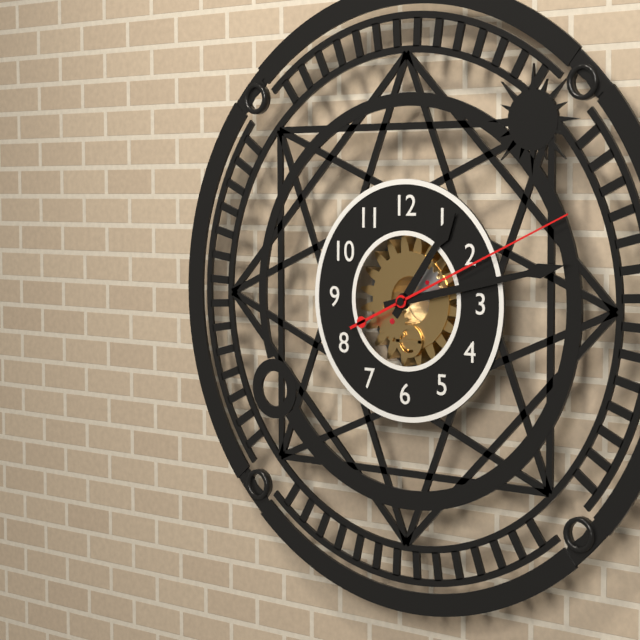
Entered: 1.13.11
